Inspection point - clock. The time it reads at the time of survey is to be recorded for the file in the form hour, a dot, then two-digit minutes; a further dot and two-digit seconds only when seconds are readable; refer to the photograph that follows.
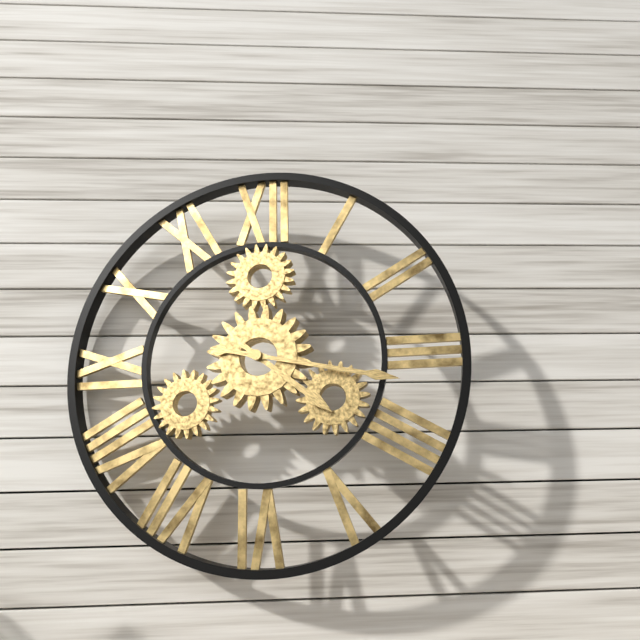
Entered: 4.17
